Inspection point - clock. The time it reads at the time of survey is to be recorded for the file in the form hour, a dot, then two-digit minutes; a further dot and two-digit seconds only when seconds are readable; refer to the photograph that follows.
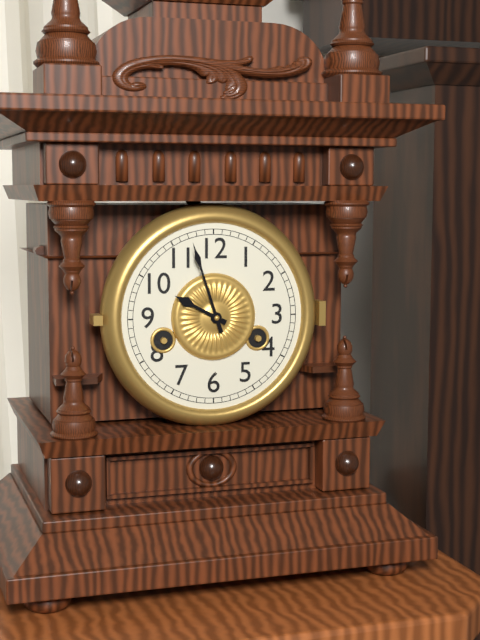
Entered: 9.57
